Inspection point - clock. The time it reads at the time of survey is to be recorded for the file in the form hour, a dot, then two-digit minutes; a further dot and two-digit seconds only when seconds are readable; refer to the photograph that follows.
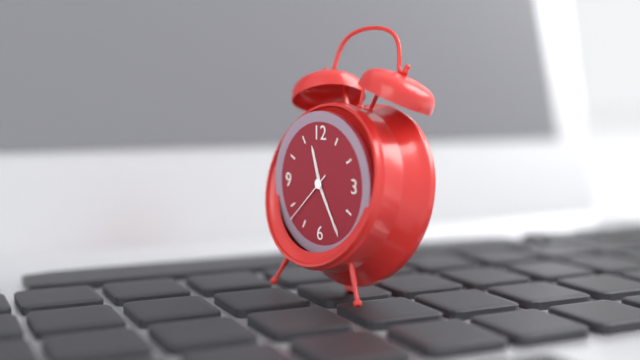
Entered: 11.25.38
